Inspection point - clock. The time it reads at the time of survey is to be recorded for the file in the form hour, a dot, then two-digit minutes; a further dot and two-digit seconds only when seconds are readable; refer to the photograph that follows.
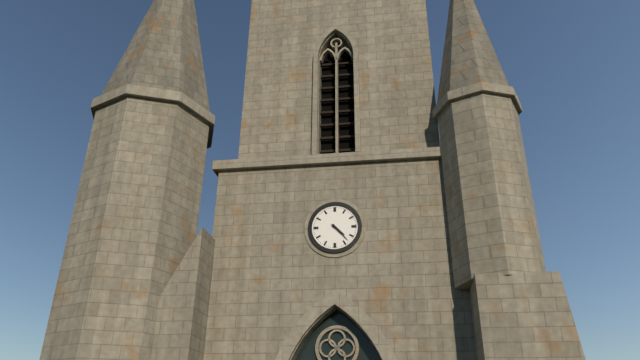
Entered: 4.23
